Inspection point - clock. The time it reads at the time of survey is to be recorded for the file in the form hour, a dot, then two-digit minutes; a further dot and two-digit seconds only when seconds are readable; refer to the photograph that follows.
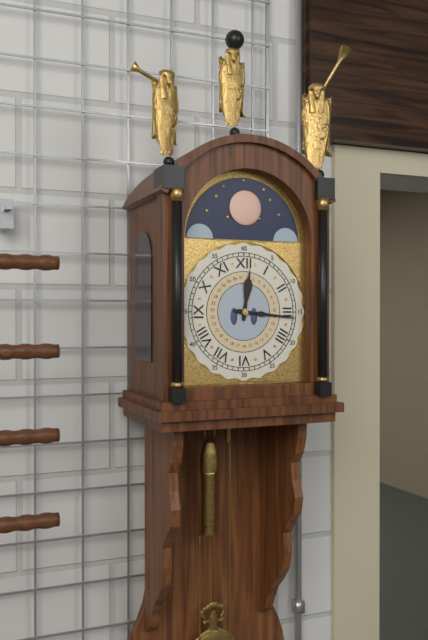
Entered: 12.16
